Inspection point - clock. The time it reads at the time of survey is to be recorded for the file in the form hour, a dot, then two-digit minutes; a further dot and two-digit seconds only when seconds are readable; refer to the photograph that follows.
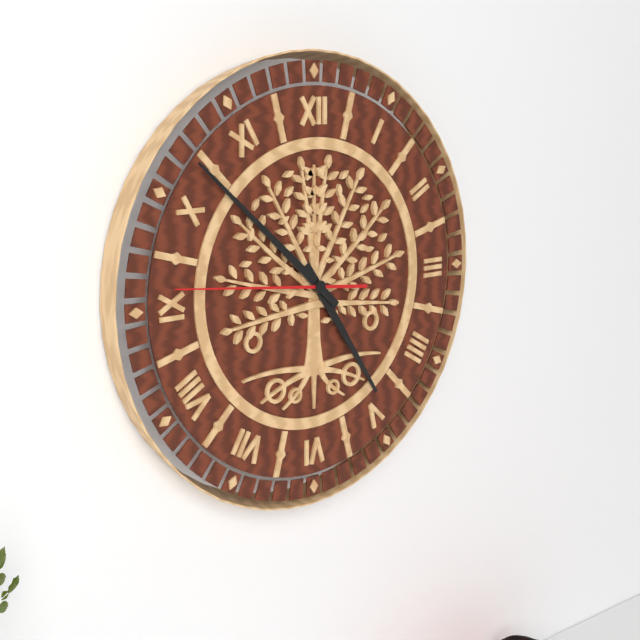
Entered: 4.52.46
